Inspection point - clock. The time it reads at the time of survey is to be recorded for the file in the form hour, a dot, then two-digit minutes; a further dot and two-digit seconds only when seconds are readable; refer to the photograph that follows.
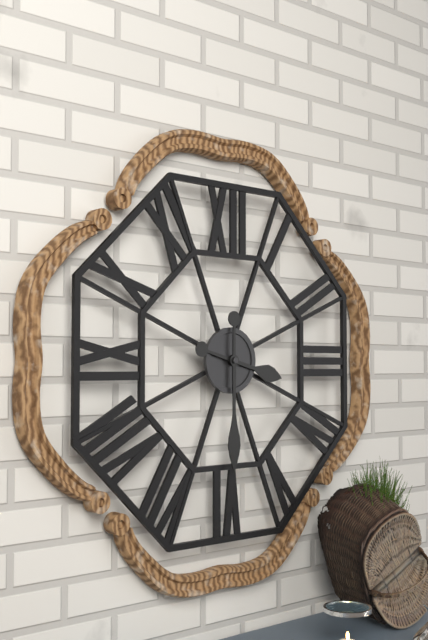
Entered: 3.30
